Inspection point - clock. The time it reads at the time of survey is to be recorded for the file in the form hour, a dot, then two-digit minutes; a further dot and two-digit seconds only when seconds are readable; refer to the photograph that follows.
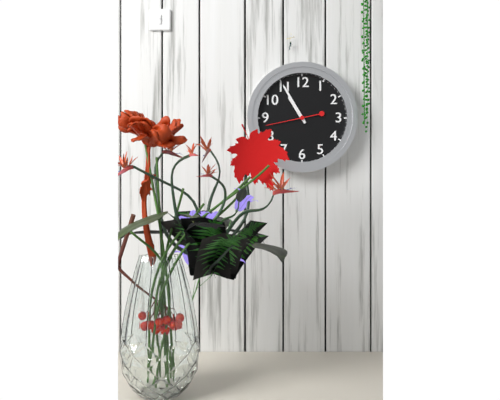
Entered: 10.55
